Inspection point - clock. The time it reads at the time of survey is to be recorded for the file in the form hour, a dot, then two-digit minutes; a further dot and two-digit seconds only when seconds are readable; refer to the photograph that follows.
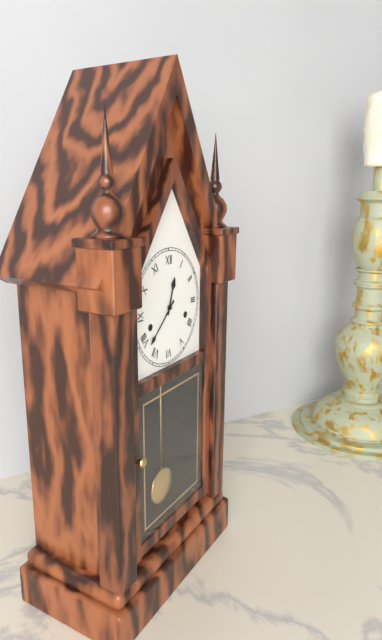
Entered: 12.38
